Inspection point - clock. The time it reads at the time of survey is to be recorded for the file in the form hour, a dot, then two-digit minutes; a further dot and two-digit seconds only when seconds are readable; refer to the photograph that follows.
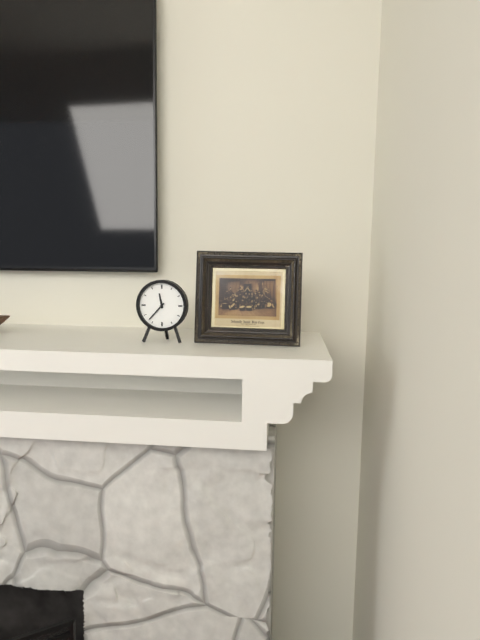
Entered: 11.37
